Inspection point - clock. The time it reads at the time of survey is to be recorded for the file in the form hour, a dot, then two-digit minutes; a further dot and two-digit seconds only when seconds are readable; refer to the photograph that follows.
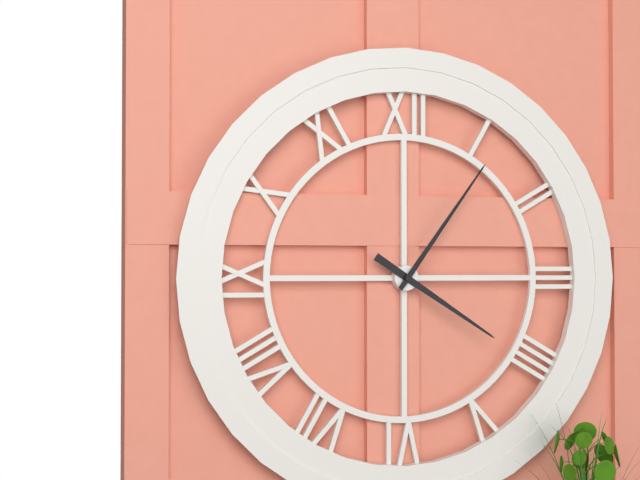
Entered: 4.06
